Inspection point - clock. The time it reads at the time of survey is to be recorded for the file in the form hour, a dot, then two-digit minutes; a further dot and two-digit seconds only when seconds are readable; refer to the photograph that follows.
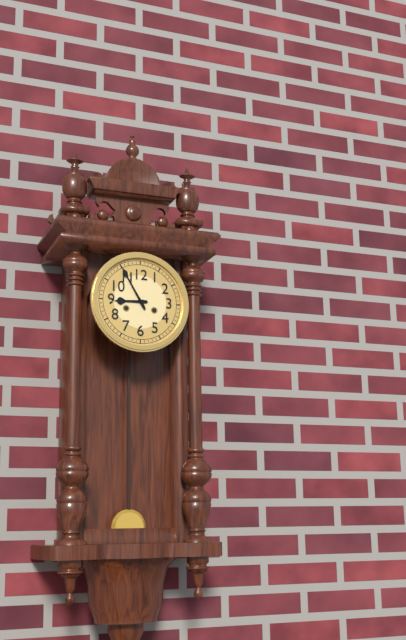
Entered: 8.55
